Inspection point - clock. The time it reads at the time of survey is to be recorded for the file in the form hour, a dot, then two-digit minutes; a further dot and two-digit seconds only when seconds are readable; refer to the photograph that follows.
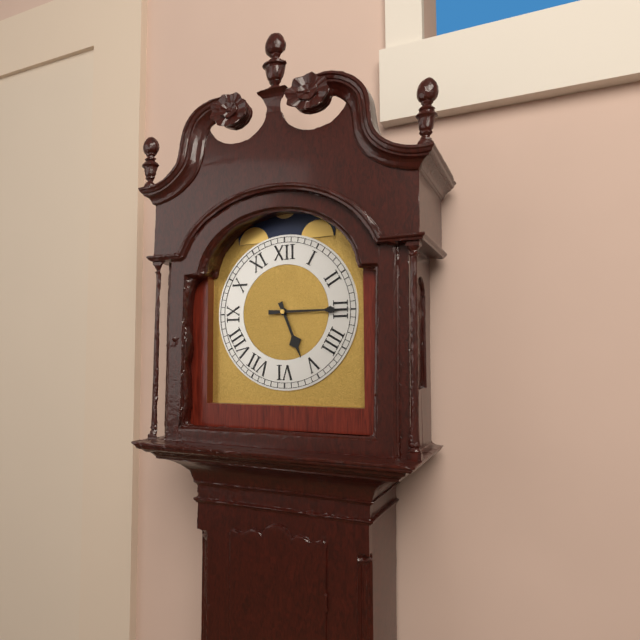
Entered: 5.15
